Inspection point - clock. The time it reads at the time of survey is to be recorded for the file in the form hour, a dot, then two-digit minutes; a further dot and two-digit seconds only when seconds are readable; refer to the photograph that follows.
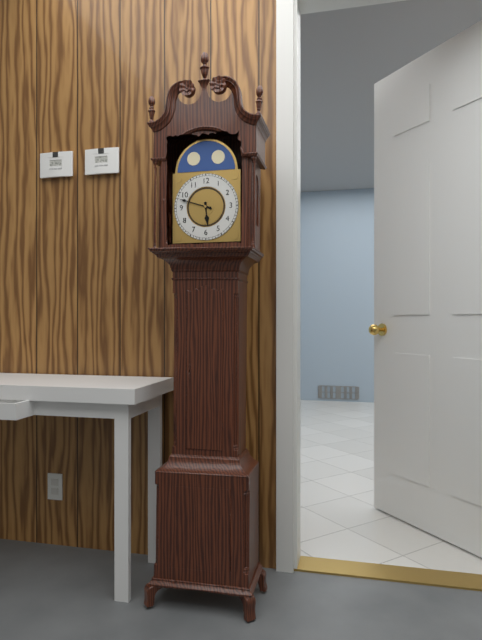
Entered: 5.48
